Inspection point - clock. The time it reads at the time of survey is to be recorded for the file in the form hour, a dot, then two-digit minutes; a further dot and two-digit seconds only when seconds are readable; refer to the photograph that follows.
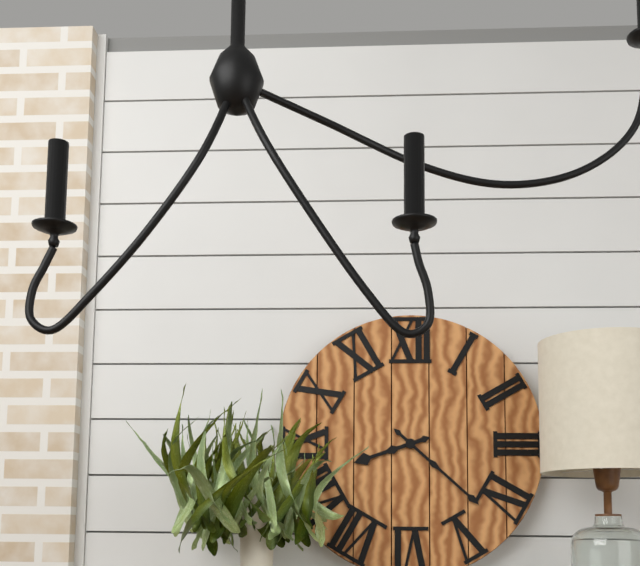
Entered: 8.22
